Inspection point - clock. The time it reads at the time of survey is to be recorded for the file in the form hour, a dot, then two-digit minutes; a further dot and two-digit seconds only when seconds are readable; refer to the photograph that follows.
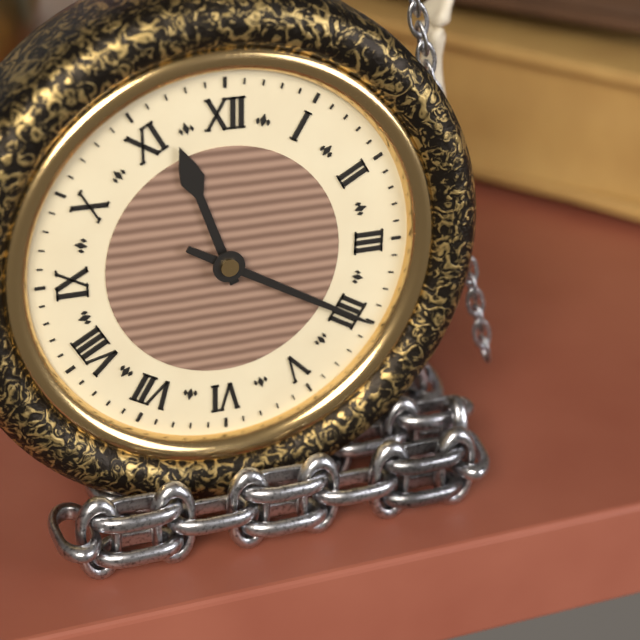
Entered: 11.20
